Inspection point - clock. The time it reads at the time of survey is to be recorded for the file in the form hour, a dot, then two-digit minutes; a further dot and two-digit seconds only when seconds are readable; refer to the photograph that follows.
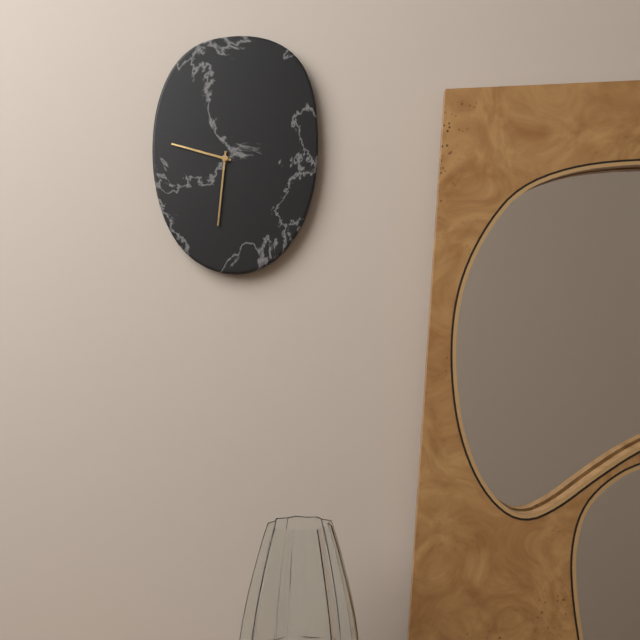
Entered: 9.31
